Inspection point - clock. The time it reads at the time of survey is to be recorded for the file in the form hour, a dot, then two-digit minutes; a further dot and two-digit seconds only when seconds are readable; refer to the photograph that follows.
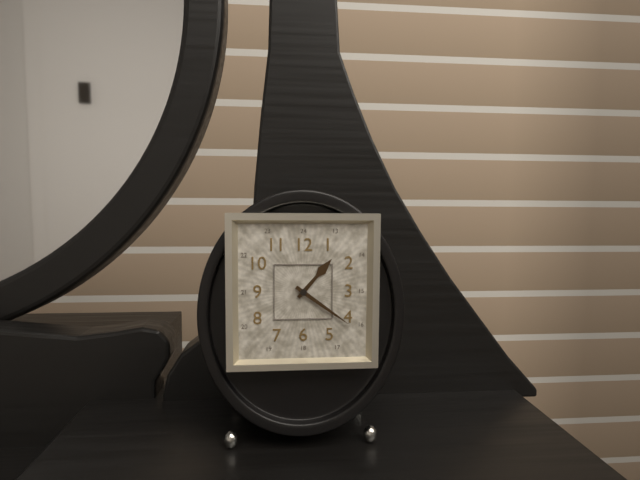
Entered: 1.21
